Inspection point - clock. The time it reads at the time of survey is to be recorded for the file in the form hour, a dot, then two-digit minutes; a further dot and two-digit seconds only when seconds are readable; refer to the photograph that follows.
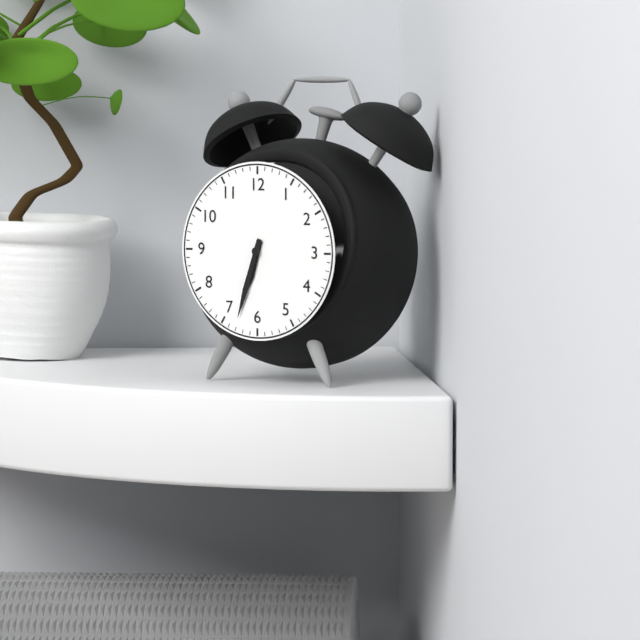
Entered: 6.33
